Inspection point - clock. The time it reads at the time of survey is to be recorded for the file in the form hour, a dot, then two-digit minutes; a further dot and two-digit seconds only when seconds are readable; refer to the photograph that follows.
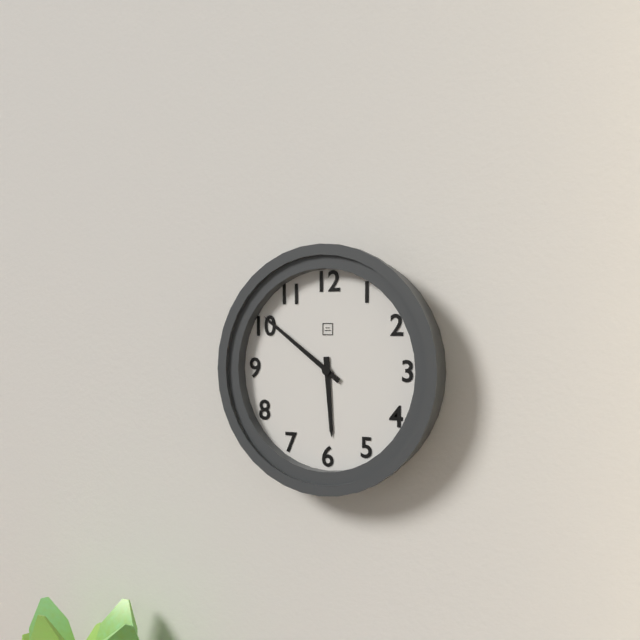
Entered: 5.51
